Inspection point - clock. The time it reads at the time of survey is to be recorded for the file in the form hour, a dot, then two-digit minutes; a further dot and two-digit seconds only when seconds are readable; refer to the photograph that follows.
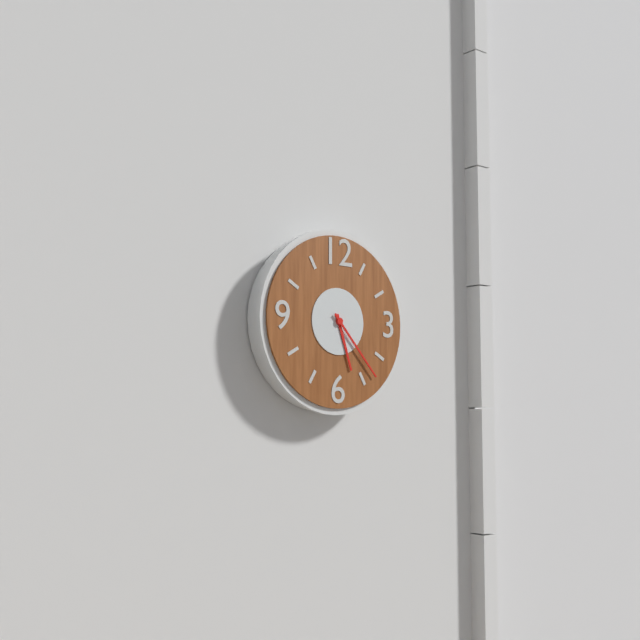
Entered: 5.23
